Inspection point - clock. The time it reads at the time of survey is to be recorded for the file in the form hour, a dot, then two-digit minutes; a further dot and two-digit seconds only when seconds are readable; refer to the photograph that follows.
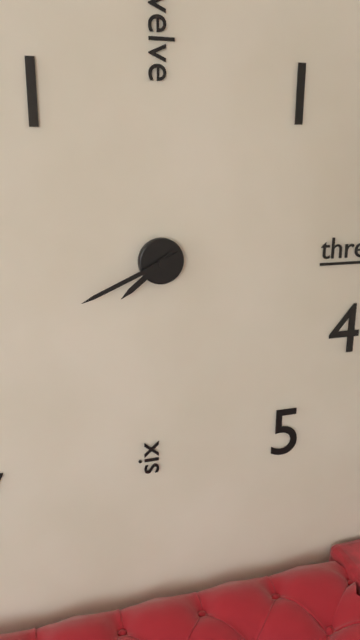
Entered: 7.41
